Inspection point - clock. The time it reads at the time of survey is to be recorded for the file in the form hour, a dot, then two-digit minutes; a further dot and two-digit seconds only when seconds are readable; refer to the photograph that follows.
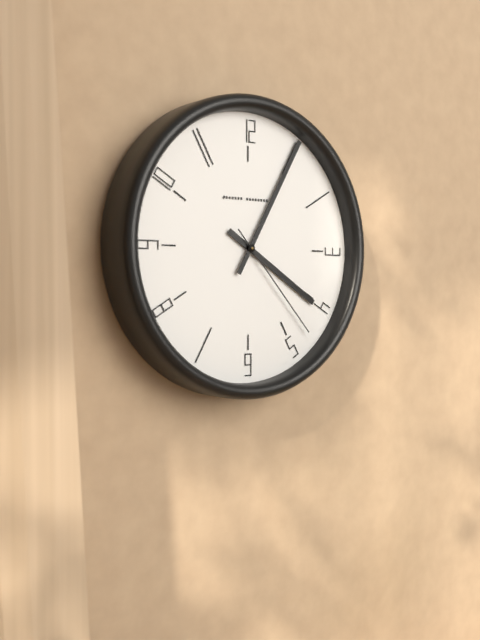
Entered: 4.05.23
